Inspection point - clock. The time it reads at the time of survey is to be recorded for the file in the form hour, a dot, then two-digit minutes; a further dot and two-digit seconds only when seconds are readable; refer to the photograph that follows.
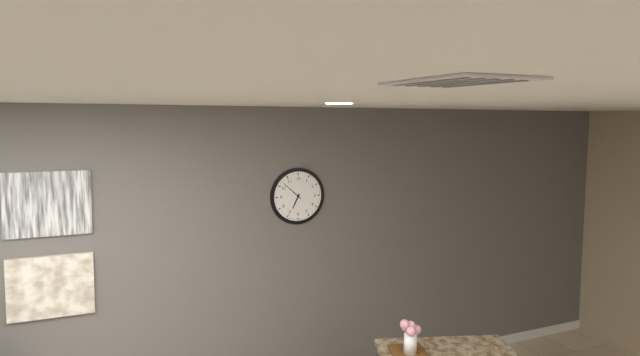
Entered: 6.52
